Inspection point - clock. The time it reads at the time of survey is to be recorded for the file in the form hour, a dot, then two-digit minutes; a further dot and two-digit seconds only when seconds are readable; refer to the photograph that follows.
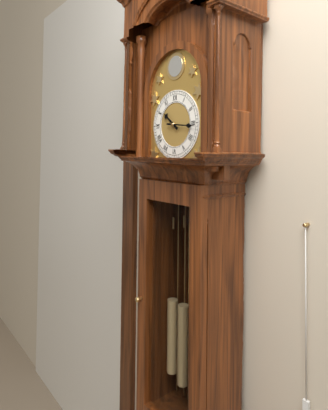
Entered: 10.16
